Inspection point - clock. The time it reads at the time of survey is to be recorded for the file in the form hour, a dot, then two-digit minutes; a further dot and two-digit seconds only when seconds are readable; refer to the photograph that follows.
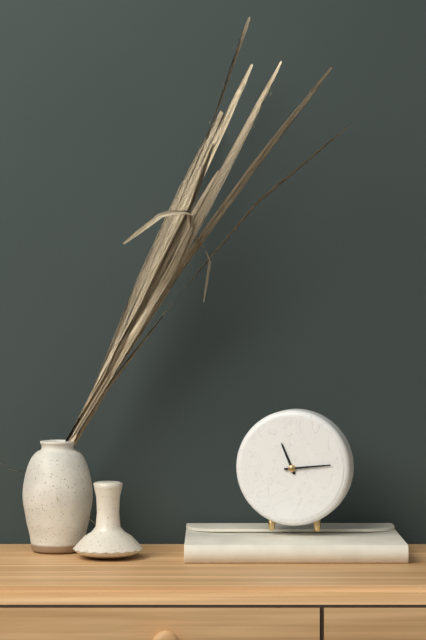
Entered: 11.14
